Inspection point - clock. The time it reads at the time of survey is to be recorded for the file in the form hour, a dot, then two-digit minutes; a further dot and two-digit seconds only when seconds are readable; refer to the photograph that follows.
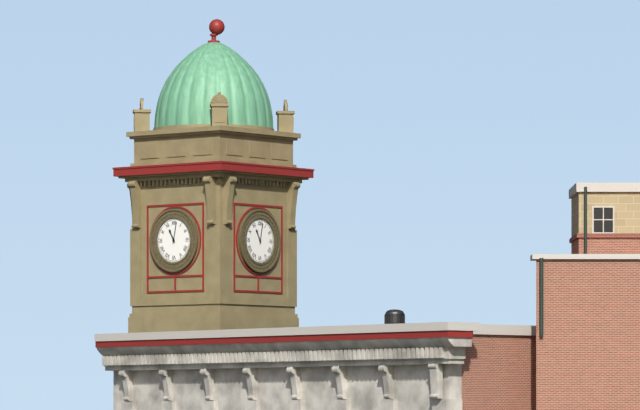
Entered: 11.02
